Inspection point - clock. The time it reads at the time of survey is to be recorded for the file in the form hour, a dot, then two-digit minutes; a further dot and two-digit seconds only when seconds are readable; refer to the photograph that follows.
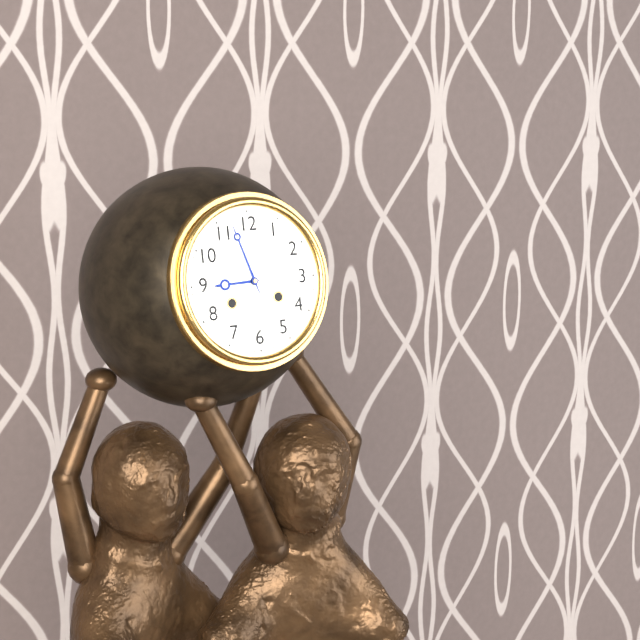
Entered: 8.57
